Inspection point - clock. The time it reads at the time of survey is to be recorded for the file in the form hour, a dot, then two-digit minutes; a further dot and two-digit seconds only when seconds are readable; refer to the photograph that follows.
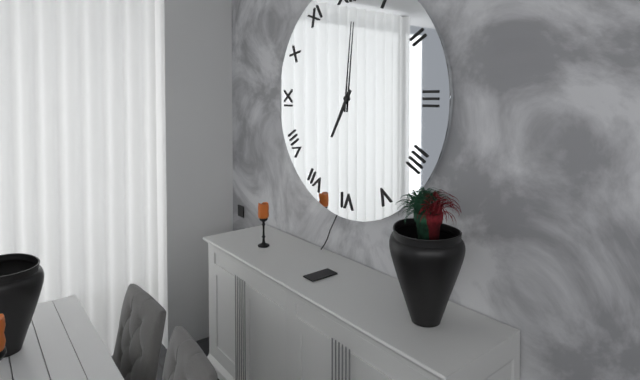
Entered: 7.01
